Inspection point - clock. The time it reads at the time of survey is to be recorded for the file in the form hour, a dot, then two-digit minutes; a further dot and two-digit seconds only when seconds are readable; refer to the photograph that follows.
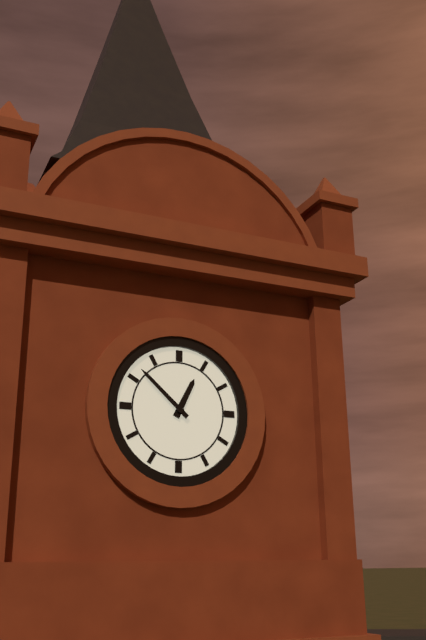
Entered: 12.52
